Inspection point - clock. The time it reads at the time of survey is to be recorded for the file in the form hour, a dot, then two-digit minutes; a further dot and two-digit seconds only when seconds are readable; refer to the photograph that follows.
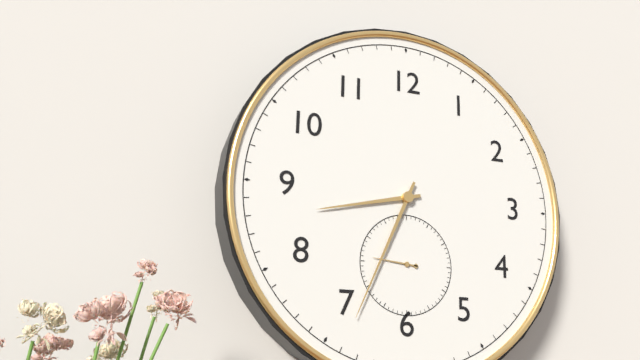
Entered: 8.34
